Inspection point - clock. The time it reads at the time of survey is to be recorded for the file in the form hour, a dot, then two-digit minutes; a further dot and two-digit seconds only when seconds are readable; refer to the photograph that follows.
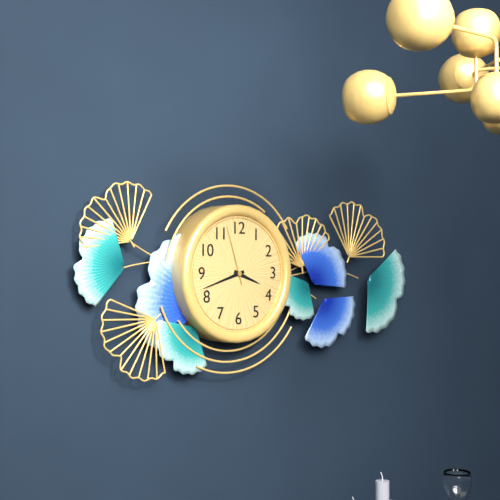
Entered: 3.42.57
